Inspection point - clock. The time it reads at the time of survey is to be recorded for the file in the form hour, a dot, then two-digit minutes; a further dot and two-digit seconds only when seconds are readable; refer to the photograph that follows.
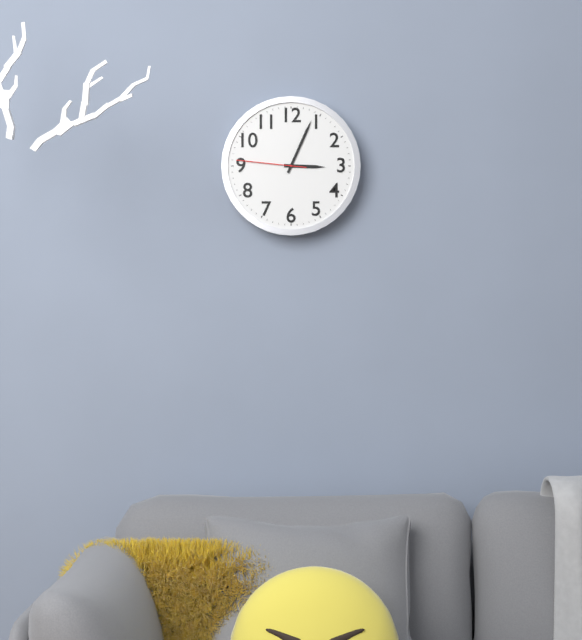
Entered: 3.04.46
